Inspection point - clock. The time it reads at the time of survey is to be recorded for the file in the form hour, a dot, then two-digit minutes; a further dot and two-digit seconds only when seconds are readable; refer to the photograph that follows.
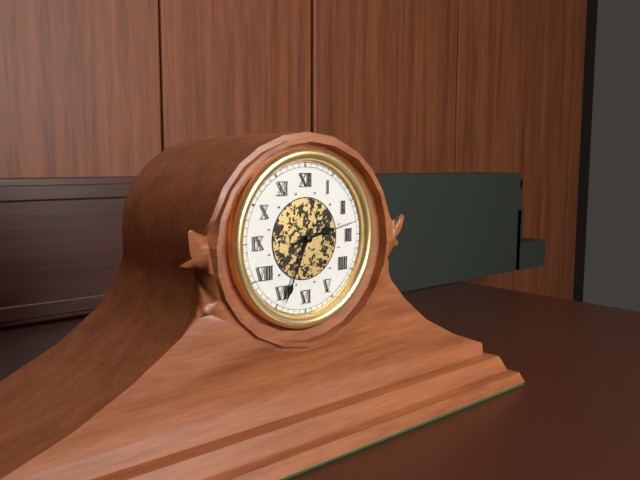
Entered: 2.34.13
